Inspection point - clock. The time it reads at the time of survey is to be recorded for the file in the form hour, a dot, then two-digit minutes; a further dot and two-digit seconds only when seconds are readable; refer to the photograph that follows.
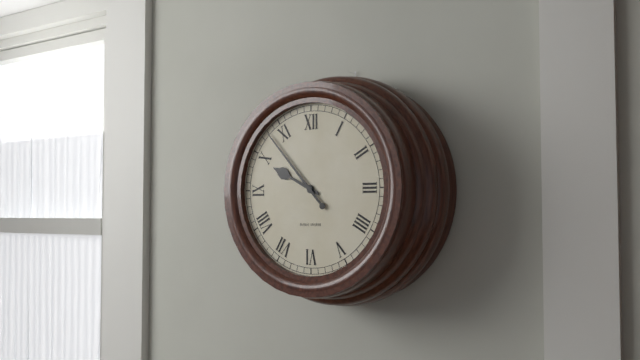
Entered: 9.53
